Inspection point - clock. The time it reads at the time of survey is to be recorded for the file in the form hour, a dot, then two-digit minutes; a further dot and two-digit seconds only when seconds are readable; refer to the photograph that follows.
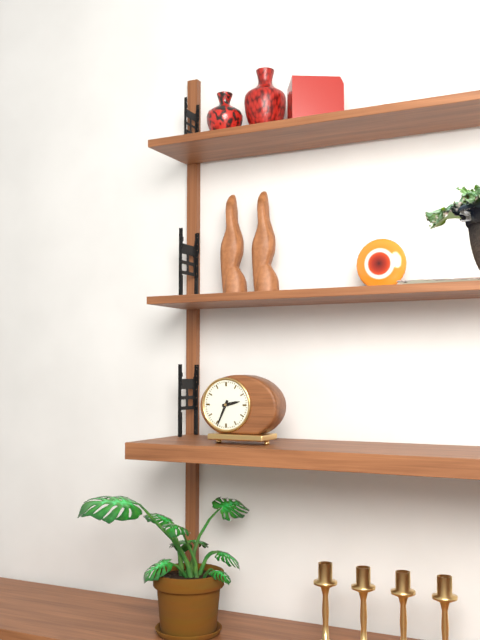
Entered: 2.34
